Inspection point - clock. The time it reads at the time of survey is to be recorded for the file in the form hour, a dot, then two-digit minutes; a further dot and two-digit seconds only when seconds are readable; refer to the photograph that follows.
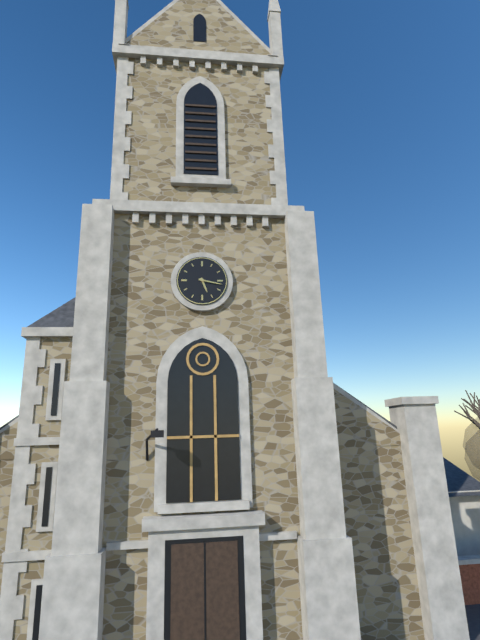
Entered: 5.17
